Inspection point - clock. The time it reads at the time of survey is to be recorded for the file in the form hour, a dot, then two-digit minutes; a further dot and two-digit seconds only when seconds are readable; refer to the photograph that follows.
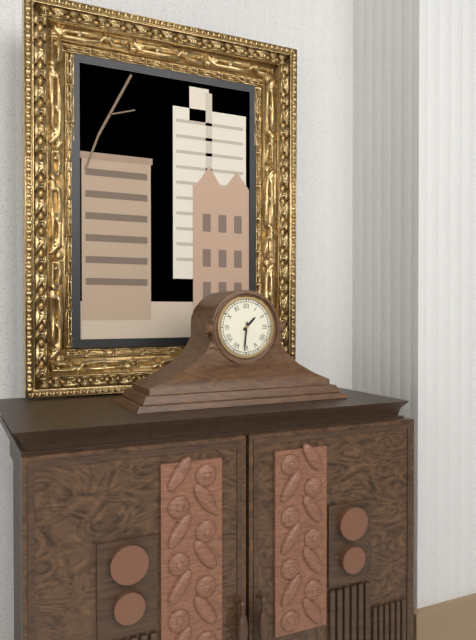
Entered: 1.31
